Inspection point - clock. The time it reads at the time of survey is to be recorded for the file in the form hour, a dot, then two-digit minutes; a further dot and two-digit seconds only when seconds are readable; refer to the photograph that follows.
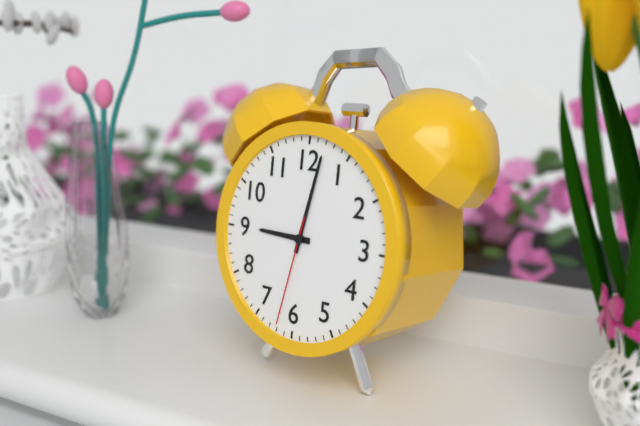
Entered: 9.02.32
